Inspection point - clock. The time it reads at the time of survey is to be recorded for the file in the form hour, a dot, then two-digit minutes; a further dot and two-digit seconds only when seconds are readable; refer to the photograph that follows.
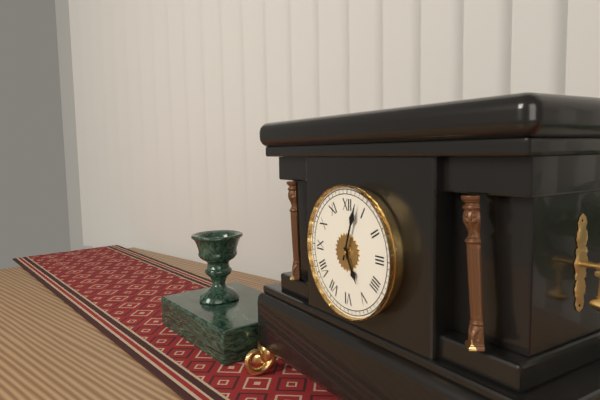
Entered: 5.03
